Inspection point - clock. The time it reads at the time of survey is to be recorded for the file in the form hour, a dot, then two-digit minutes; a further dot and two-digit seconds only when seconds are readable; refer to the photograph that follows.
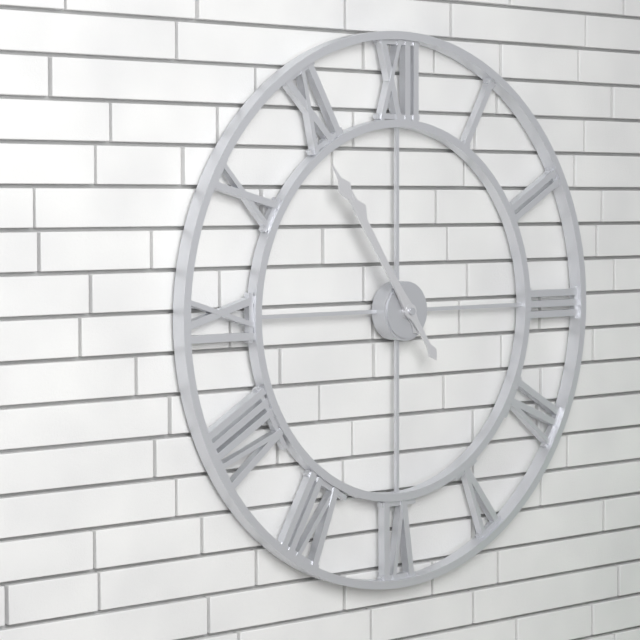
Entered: 10.54
